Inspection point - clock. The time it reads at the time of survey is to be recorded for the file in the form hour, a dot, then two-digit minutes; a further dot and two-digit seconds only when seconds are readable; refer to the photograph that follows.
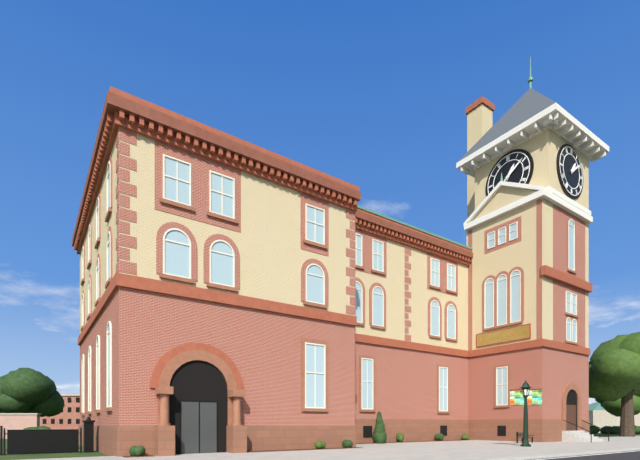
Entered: 1.09
